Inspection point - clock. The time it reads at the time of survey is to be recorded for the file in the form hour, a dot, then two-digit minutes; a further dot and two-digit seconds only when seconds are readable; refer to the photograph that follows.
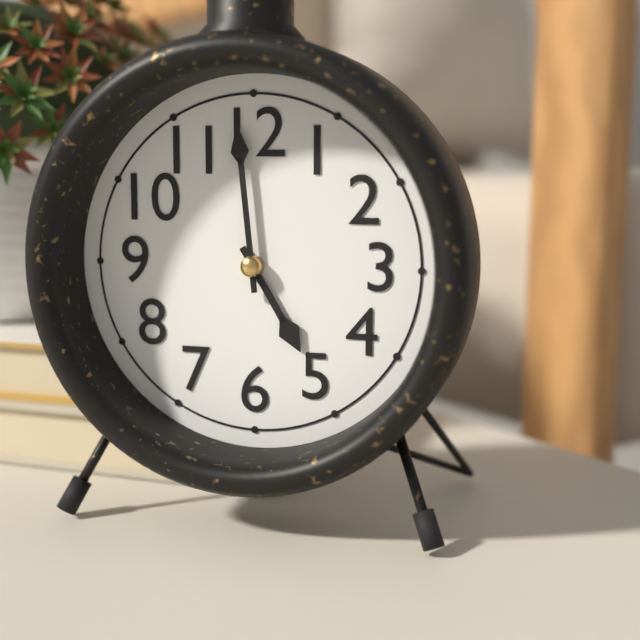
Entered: 4.59
